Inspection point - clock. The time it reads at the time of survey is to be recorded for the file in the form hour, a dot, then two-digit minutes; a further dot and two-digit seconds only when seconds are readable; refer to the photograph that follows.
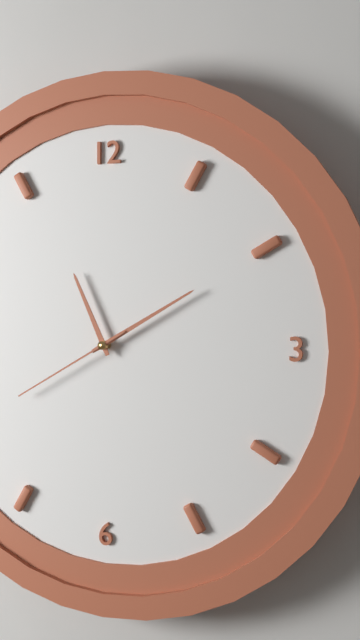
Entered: 11.10.40
